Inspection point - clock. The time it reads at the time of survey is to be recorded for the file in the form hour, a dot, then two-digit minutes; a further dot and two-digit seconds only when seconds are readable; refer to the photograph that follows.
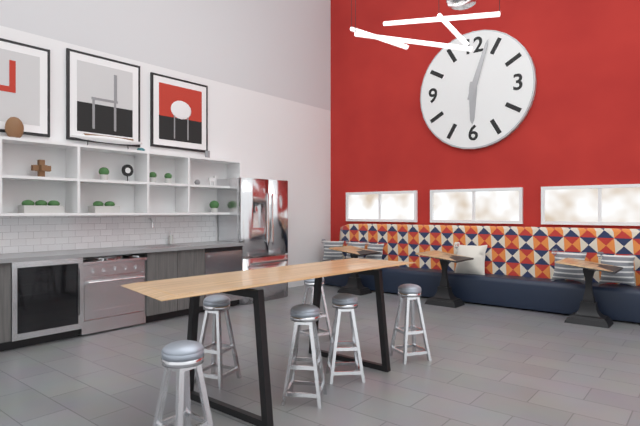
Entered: 6.03
